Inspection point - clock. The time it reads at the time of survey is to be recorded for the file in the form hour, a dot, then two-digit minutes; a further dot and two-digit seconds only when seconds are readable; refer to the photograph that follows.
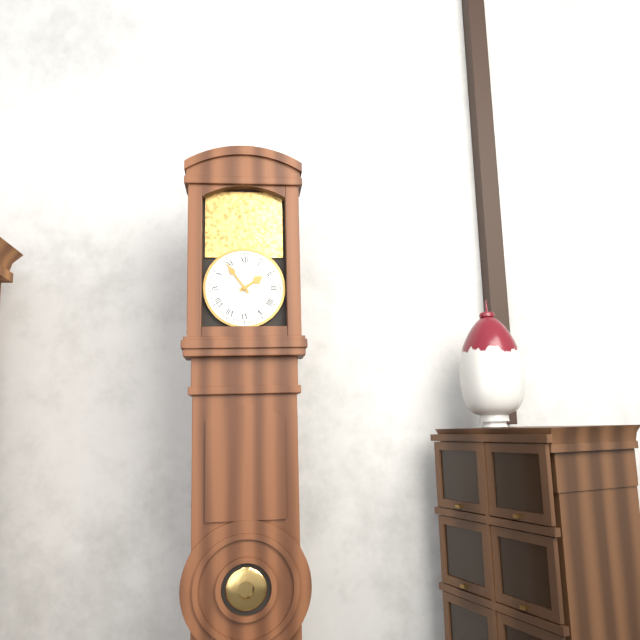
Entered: 1.54
